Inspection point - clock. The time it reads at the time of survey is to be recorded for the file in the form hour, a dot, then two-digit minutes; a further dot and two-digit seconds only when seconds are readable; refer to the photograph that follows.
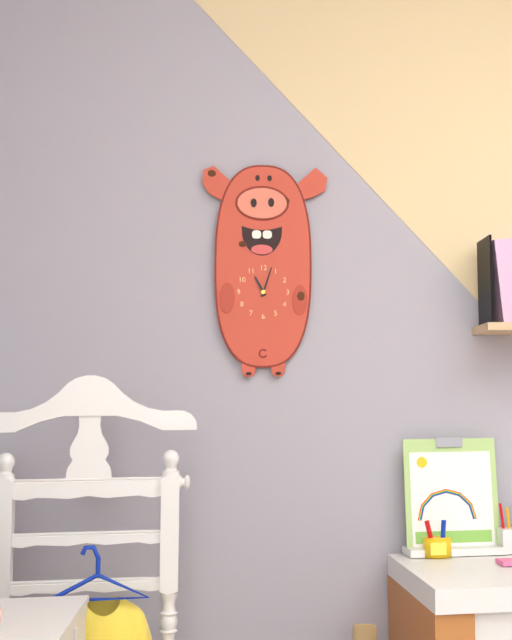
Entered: 11.03
